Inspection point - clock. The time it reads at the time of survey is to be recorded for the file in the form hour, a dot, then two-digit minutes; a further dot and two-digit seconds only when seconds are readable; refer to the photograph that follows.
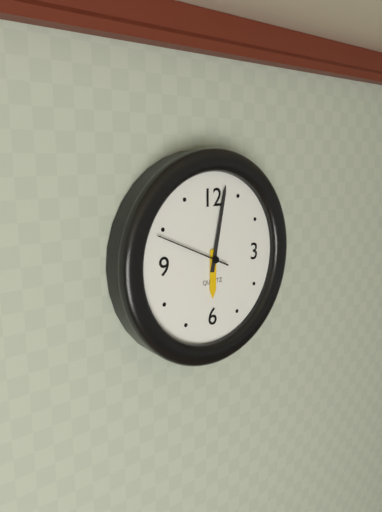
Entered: 6.02.49
